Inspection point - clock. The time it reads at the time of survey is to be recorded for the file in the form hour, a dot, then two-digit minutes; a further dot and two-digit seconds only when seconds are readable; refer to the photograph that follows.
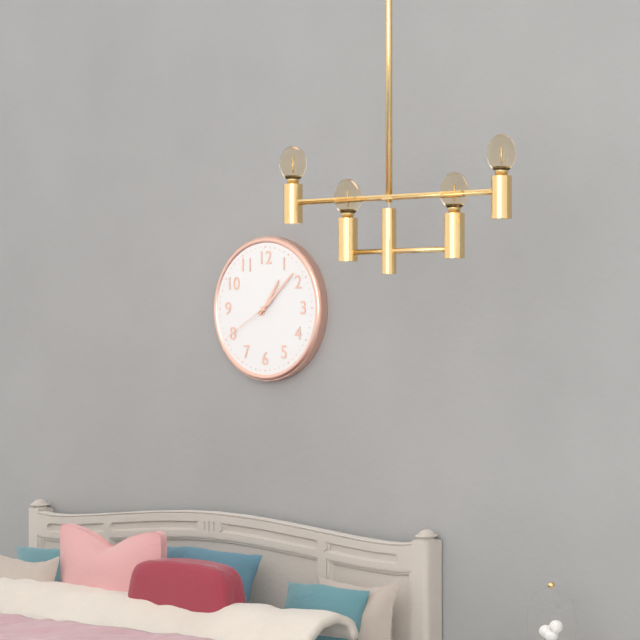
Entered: 1.08.40
